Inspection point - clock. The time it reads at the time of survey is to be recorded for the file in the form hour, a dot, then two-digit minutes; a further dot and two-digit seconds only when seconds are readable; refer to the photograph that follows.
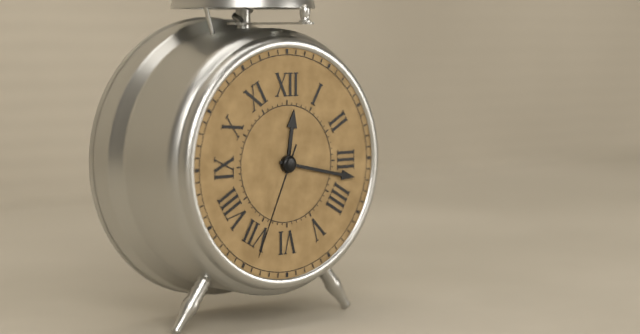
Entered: 12.17.34
